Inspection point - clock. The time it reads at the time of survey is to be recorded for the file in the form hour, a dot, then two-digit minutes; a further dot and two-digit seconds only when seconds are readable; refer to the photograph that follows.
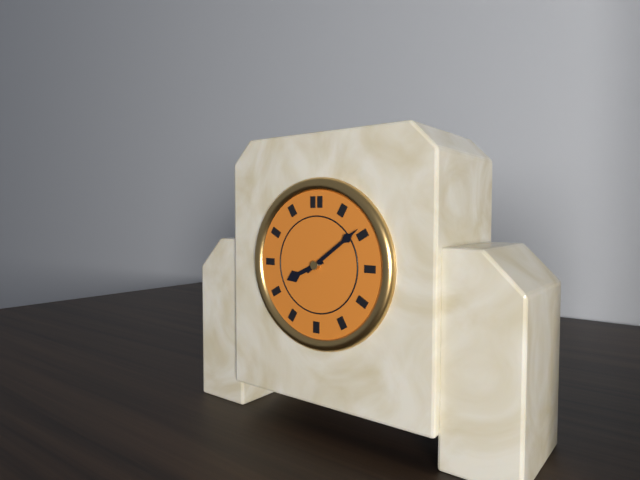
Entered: 8.09
